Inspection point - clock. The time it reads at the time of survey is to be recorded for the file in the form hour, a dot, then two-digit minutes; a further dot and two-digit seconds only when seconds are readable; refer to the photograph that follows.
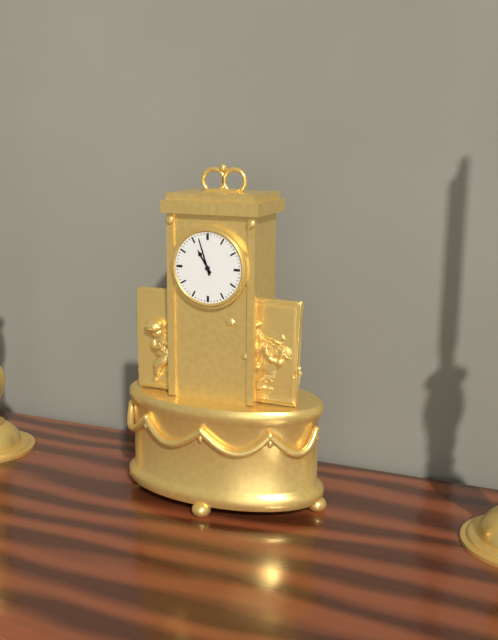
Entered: 10.57
